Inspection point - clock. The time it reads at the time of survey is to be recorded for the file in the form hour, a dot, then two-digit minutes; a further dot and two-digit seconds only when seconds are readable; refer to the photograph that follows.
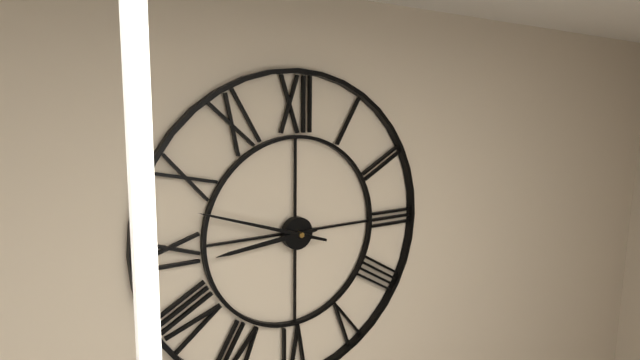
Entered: 8.48
